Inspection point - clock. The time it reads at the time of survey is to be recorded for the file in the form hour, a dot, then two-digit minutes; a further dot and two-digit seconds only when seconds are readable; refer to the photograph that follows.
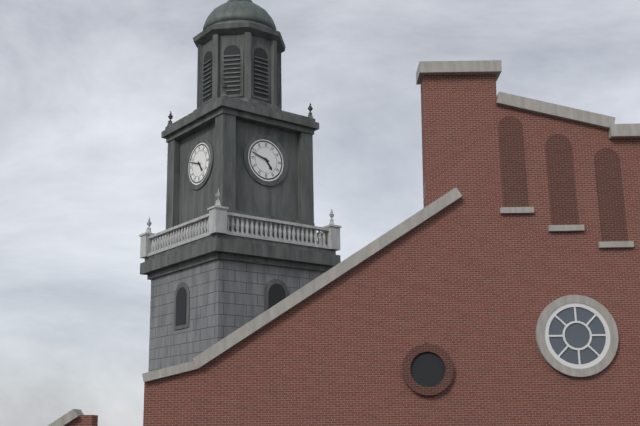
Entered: 4.48
